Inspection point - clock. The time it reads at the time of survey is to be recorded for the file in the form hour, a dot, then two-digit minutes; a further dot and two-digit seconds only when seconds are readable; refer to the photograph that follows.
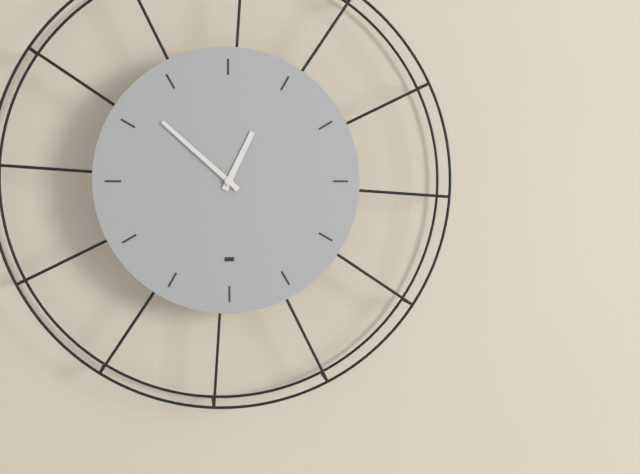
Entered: 12.52
